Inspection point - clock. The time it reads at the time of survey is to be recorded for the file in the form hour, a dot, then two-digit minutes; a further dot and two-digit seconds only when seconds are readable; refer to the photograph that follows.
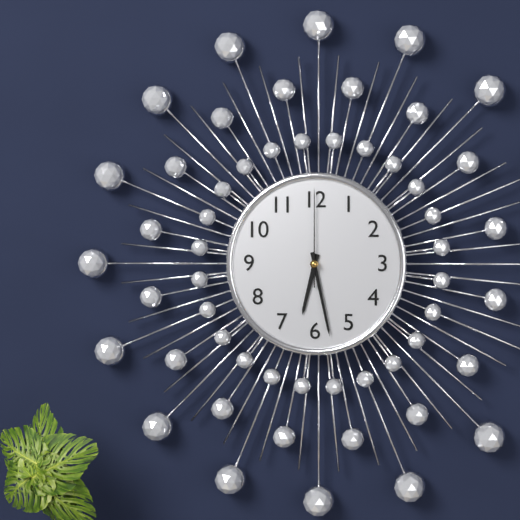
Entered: 6.28.00
